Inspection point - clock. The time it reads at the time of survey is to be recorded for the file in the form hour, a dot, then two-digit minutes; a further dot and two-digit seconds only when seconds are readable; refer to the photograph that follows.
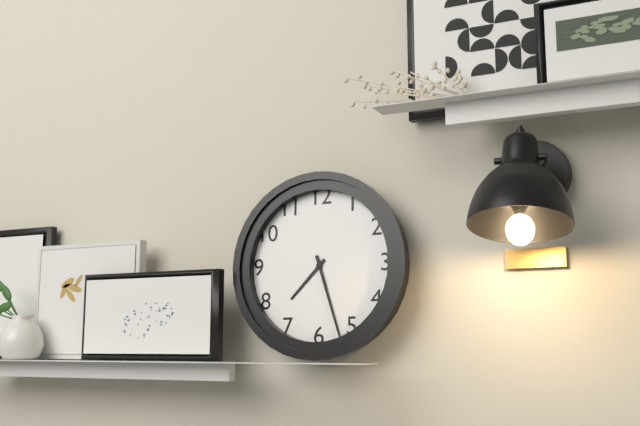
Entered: 7.27
